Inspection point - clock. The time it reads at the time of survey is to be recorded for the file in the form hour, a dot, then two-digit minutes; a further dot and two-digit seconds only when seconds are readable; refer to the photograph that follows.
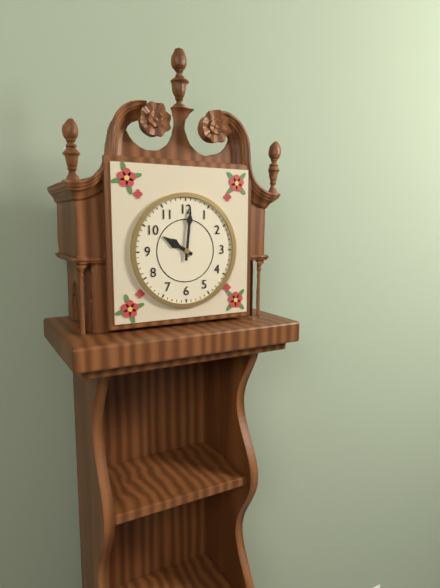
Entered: 10.01
